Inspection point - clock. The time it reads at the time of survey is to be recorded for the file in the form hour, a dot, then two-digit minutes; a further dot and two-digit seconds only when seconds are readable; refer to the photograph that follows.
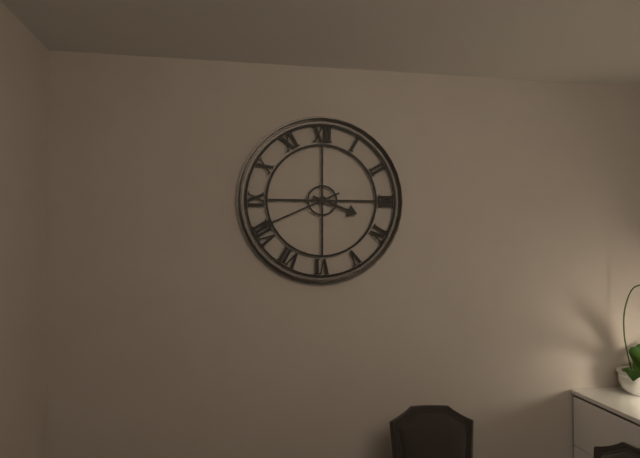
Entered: 3.41
